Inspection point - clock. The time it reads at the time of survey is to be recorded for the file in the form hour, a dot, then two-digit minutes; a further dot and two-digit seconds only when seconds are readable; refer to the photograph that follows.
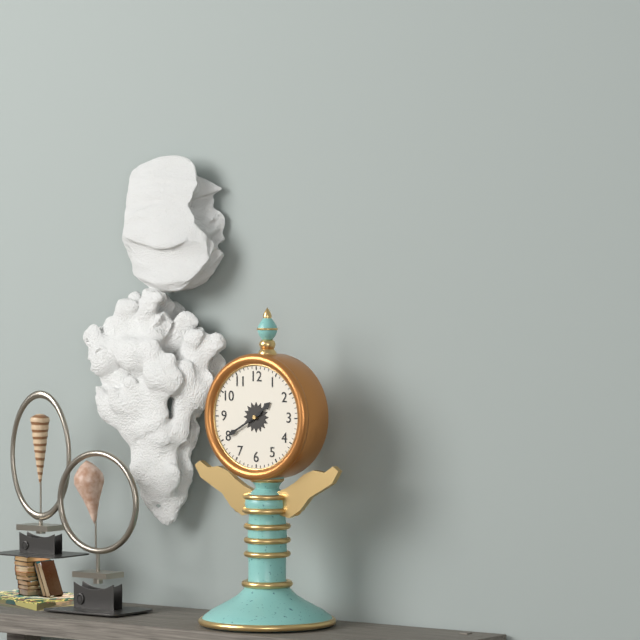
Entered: 1.40
